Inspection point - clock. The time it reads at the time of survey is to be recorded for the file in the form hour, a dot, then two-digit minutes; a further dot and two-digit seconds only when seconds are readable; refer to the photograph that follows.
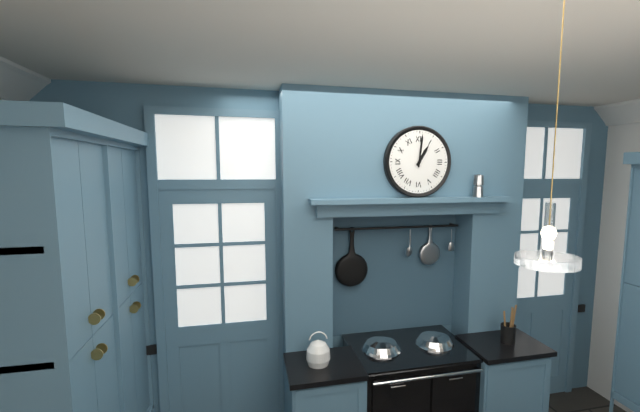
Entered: 1.01
